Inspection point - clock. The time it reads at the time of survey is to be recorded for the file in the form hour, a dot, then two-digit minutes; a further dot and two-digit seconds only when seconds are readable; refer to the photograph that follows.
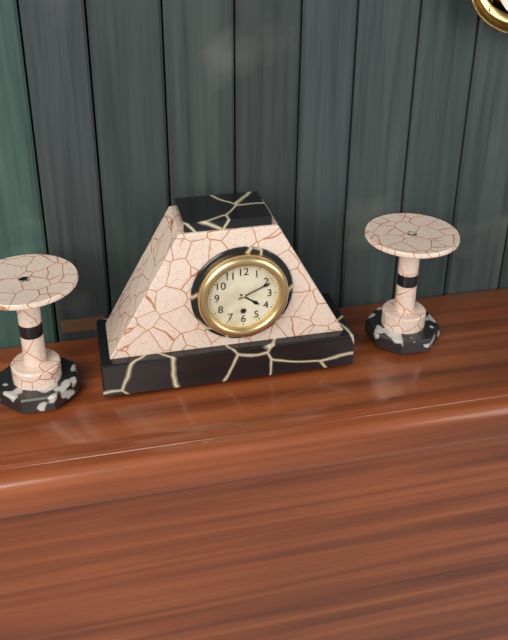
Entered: 4.11
